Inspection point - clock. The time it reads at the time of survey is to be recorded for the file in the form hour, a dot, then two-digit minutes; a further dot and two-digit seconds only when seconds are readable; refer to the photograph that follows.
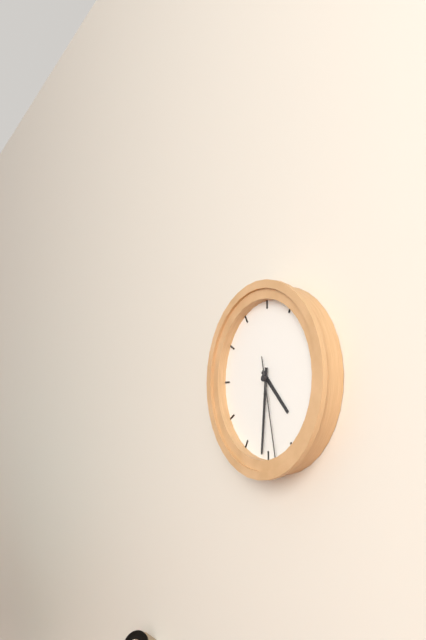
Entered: 4.31.28
